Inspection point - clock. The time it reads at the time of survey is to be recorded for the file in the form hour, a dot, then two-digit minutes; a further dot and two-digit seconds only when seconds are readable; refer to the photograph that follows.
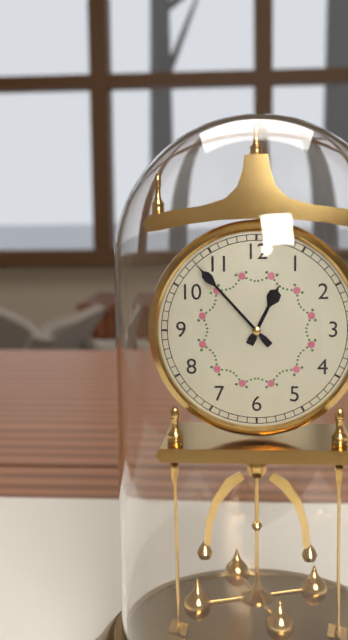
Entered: 12.53
